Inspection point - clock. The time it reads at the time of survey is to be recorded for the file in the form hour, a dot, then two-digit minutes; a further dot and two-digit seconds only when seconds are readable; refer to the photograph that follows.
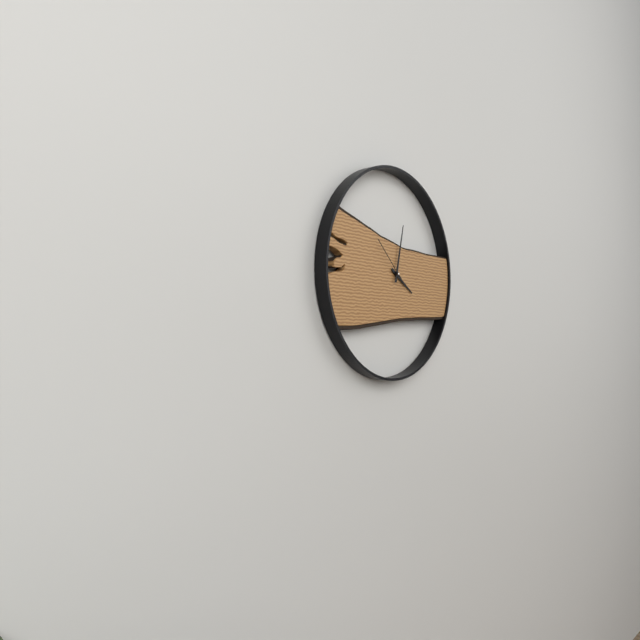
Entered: 4.02.52
